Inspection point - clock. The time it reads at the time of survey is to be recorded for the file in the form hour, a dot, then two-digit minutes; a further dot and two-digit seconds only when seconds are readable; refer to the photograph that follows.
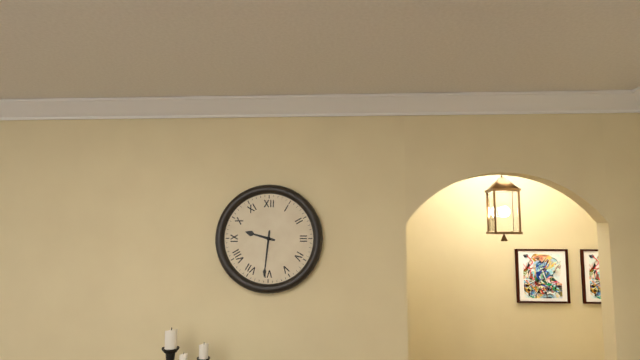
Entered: 9.31
